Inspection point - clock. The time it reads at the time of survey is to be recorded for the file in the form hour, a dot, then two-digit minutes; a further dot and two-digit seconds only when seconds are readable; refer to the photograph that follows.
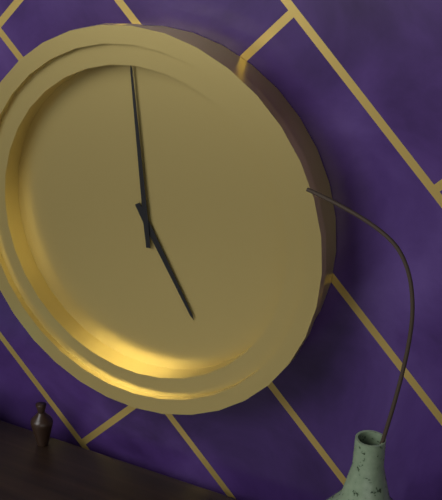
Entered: 4.59
